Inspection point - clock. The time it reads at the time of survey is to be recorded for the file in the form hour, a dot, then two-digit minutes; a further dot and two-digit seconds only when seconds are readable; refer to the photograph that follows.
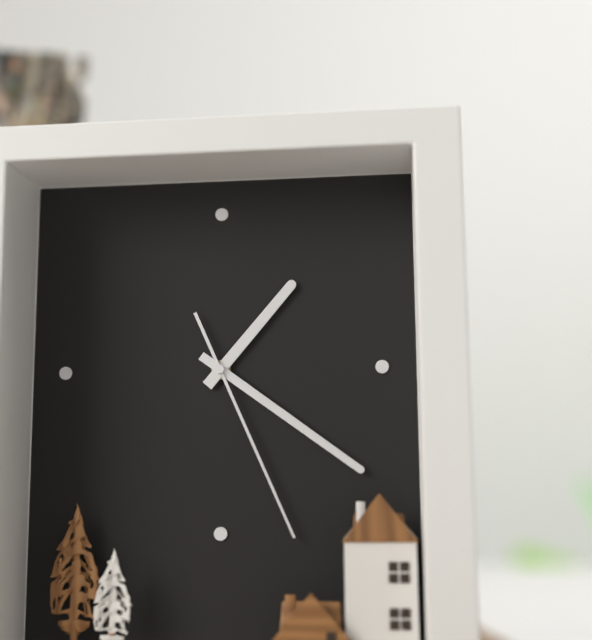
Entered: 1.21.26
